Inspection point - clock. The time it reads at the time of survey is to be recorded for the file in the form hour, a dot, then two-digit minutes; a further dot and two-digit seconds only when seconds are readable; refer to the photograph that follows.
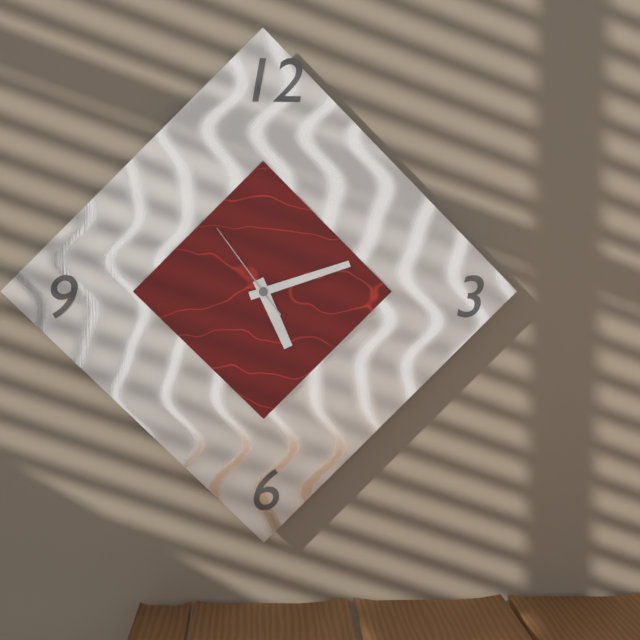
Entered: 5.12.54
